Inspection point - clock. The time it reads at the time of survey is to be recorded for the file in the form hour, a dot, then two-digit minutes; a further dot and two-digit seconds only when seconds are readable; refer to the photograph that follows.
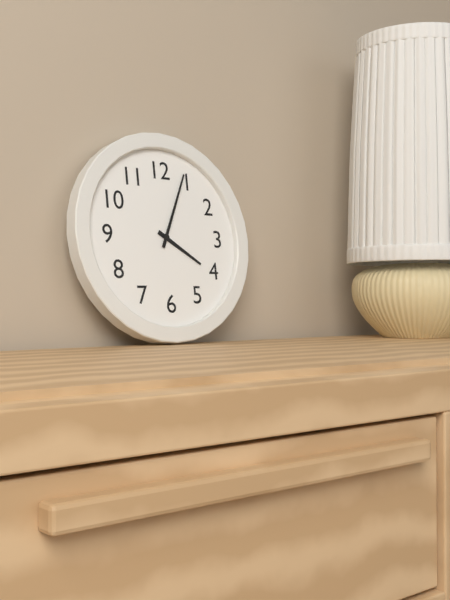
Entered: 4.04
